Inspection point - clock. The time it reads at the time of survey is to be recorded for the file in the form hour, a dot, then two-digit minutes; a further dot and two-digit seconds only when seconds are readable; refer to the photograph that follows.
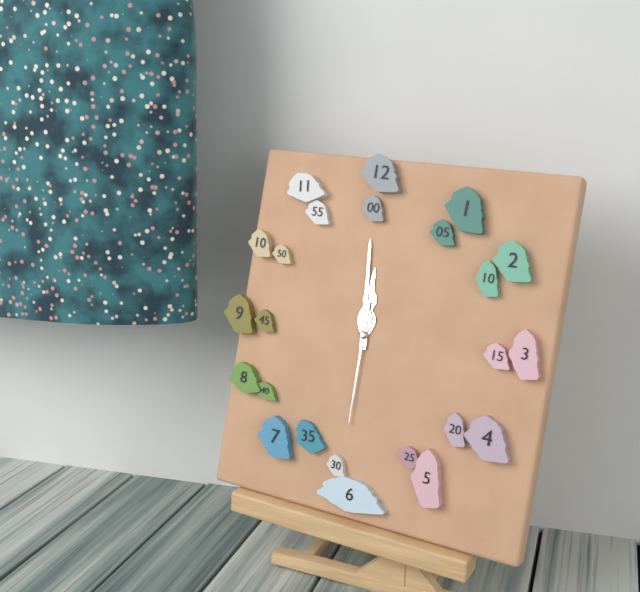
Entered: 11.59.30
